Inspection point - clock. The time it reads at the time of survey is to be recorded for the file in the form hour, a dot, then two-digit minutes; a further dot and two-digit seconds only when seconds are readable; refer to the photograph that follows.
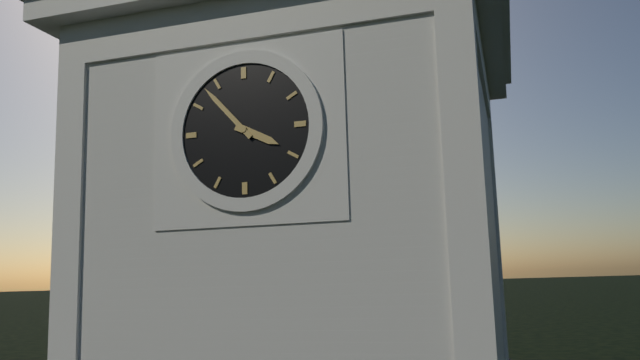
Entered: 3.53
